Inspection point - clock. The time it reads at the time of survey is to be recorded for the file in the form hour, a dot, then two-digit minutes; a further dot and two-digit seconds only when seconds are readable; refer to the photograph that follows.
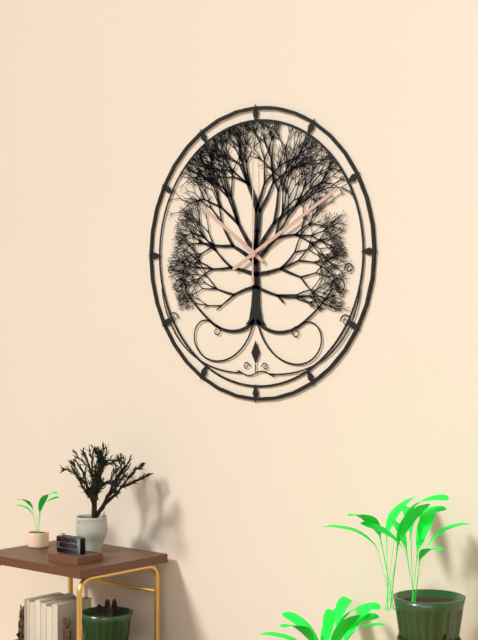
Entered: 10.10.00
